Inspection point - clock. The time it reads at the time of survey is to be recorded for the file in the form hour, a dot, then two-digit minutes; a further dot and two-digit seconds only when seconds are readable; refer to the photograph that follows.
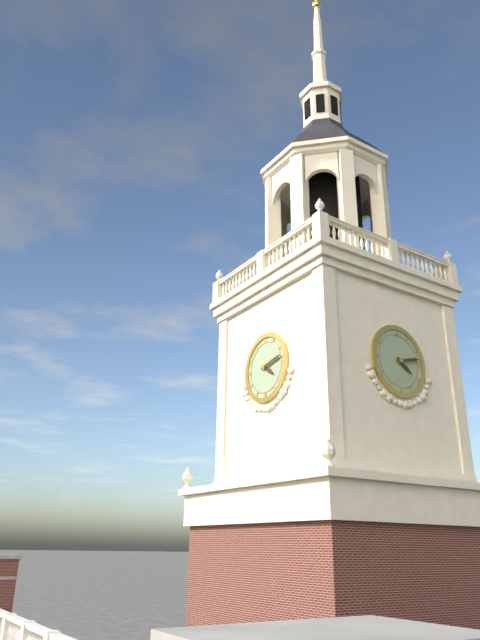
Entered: 4.13
